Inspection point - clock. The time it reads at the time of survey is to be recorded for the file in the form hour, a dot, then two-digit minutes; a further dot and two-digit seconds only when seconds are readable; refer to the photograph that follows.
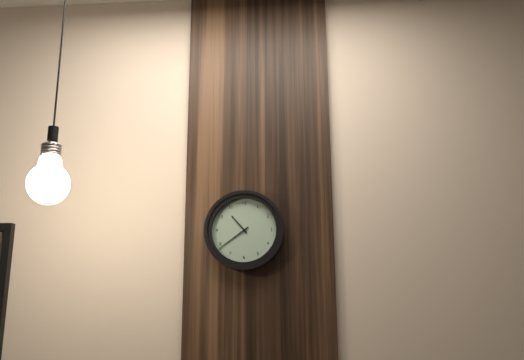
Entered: 10.39
